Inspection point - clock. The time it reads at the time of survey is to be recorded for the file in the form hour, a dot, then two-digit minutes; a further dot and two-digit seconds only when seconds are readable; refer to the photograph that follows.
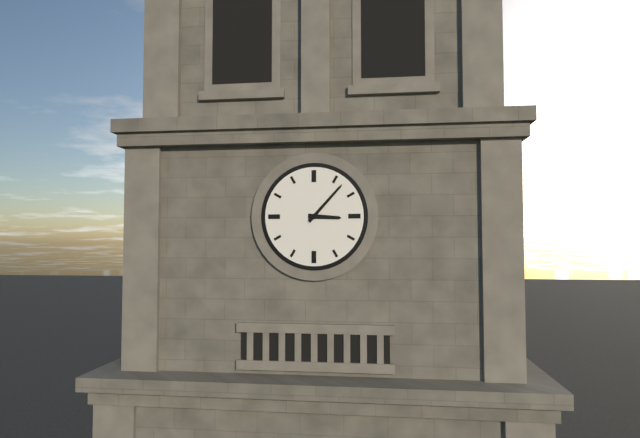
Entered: 3.07
